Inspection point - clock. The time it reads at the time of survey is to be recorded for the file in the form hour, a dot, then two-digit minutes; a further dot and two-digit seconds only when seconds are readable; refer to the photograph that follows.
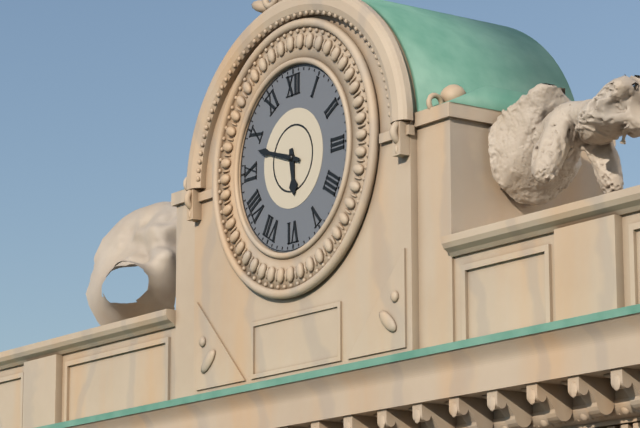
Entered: 5.48
